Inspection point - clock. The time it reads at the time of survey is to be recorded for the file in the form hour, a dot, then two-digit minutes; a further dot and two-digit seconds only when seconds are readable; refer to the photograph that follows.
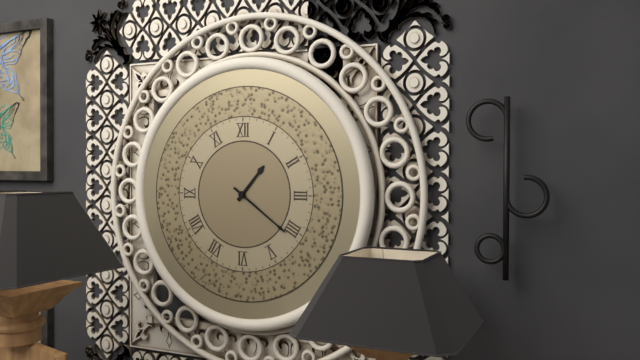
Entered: 1.21
